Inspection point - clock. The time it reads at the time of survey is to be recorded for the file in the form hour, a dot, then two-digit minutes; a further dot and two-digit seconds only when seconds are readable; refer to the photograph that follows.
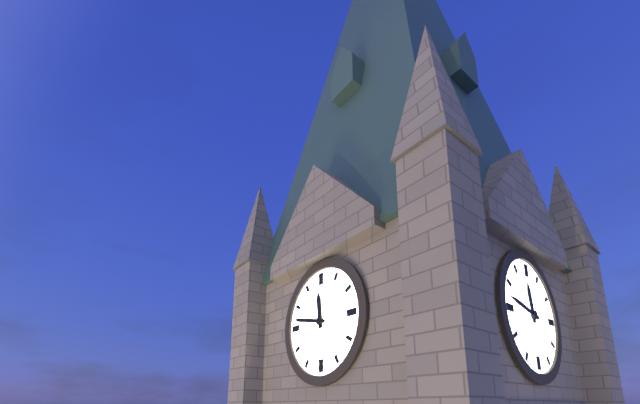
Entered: 11.47
